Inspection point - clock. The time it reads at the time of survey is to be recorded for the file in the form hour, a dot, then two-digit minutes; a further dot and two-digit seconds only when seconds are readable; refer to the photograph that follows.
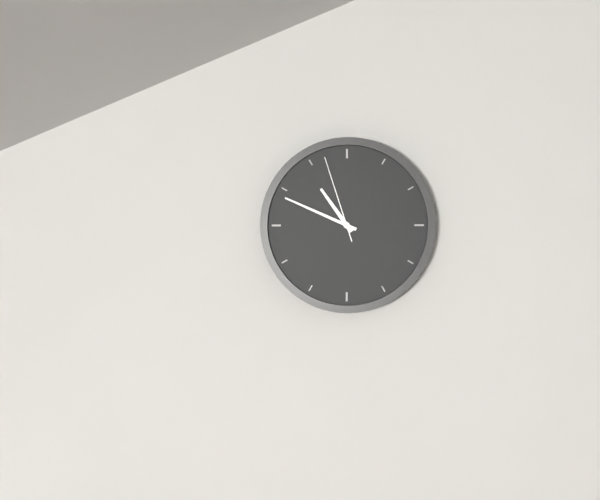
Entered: 10.49.57
